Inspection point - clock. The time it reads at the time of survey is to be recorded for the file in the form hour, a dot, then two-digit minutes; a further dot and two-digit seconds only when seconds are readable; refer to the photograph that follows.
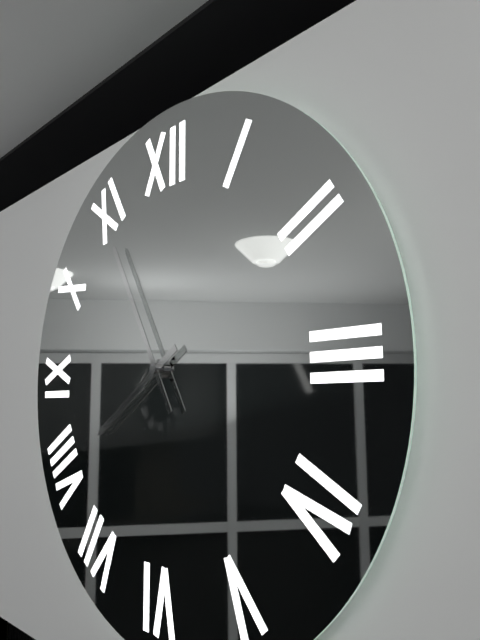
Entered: 7.55
